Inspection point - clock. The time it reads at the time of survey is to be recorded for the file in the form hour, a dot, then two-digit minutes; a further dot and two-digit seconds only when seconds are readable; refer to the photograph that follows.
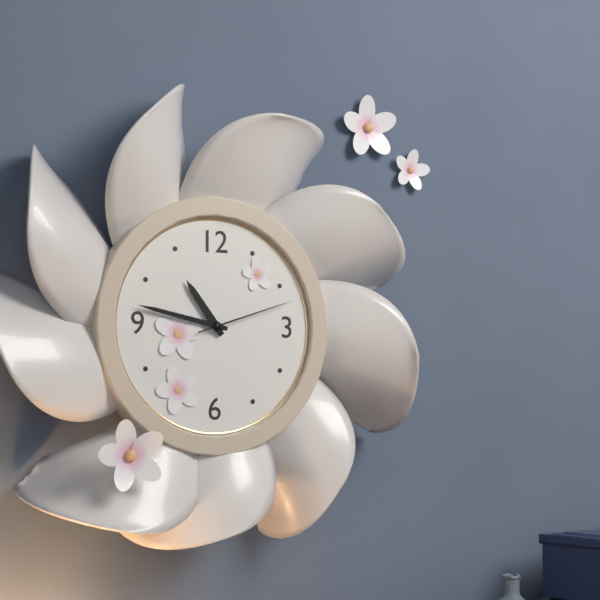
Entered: 10.47.12
